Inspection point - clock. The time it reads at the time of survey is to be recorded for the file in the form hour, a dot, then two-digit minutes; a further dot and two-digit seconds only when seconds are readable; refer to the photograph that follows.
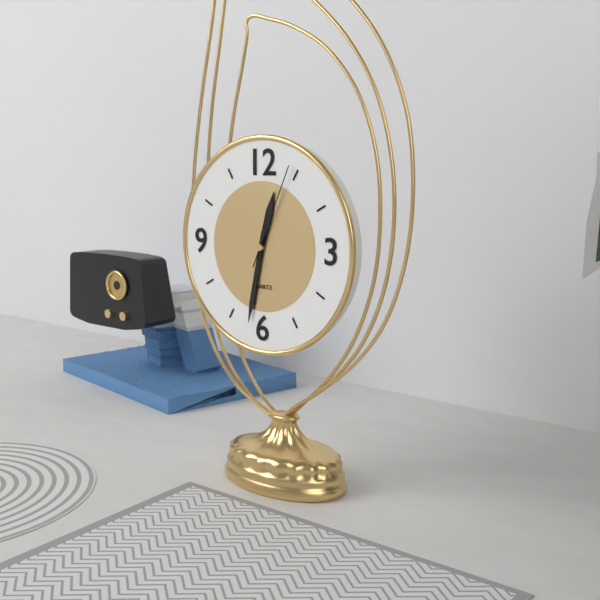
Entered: 12.32.04
